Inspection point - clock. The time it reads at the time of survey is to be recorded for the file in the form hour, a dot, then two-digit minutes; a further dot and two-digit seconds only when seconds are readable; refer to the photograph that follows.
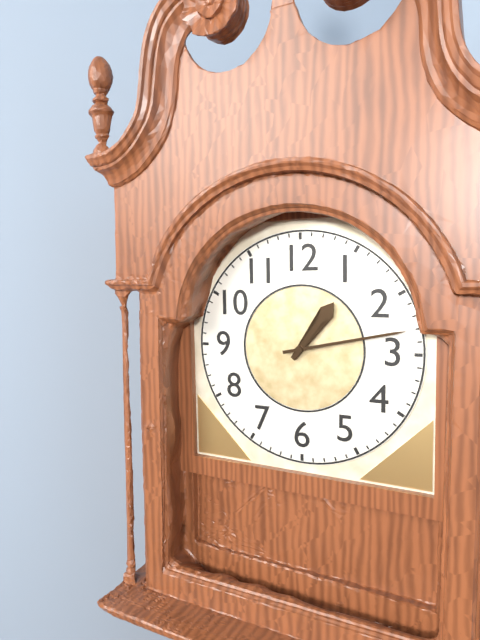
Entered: 1.13
